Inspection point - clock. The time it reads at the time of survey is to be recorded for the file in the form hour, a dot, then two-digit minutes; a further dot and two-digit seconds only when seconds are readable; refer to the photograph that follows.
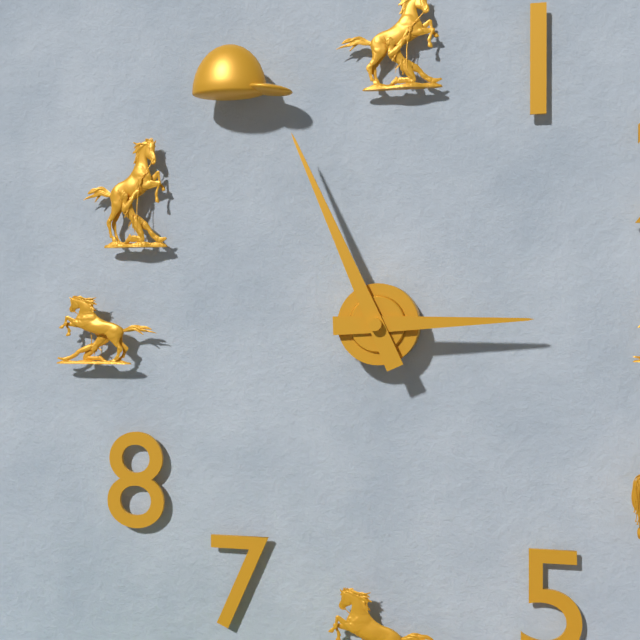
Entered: 2.56
